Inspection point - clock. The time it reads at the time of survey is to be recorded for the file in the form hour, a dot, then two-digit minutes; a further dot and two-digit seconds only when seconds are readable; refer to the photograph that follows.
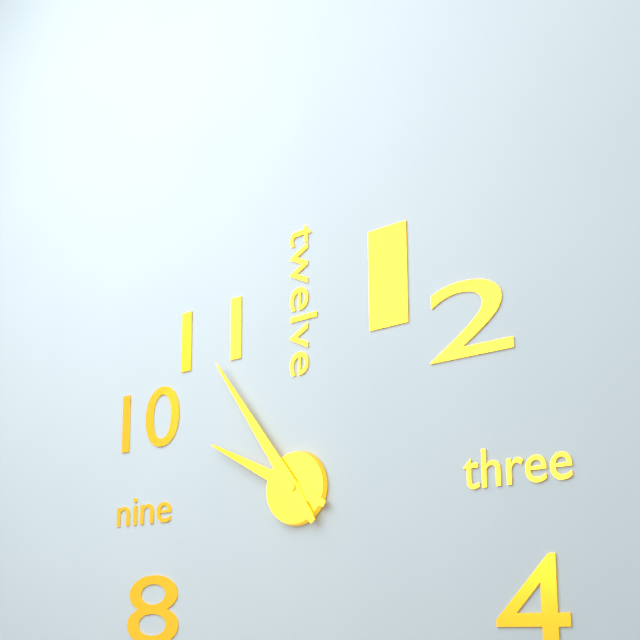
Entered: 9.54
